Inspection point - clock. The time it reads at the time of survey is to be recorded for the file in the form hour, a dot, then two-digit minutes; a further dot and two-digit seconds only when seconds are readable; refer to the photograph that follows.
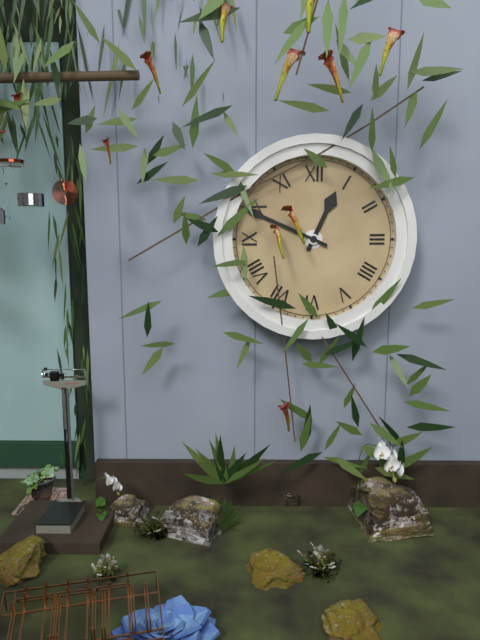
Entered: 12.49
